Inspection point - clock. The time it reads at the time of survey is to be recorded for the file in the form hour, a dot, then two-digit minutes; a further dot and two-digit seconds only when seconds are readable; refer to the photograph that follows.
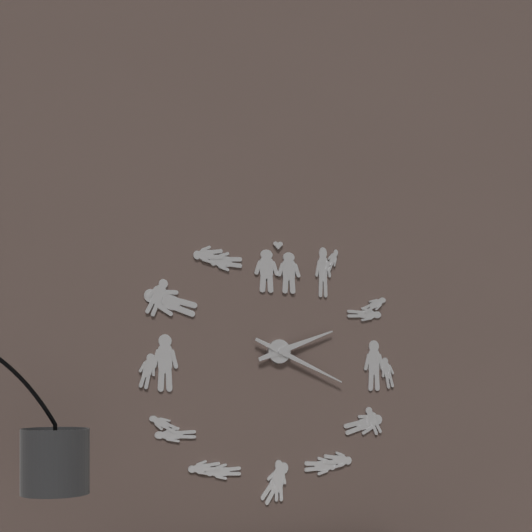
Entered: 2.19
